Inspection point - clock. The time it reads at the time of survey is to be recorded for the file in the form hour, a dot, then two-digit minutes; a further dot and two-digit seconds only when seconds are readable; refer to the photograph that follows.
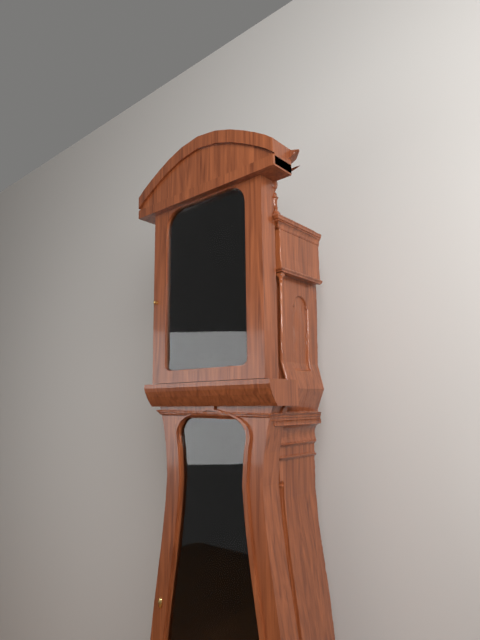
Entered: 4.40
